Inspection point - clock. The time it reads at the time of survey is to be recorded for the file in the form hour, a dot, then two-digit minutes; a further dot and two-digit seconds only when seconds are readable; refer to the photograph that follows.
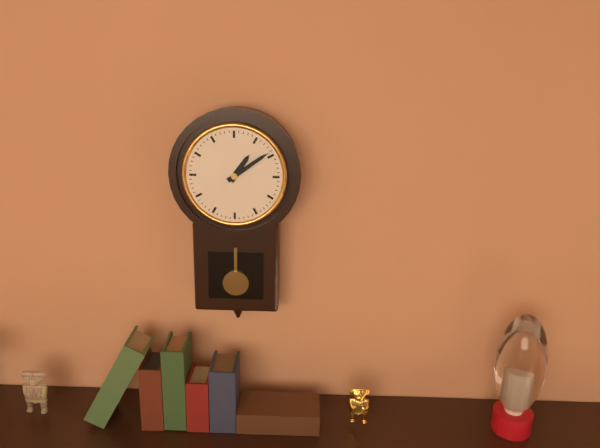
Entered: 1.09
